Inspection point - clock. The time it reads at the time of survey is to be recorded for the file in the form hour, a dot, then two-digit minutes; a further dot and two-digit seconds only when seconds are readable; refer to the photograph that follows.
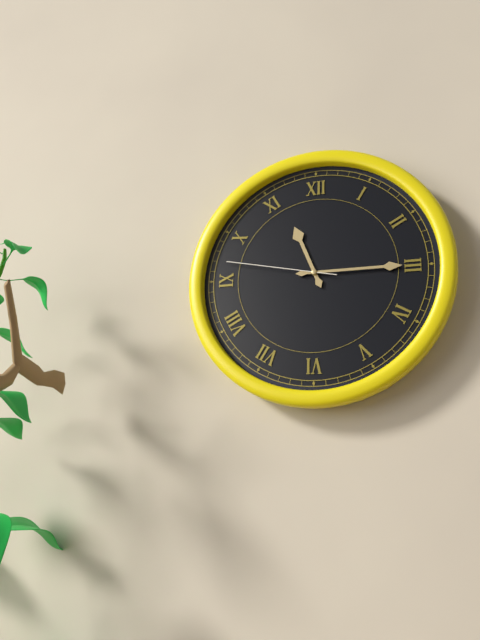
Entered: 11.15.47
